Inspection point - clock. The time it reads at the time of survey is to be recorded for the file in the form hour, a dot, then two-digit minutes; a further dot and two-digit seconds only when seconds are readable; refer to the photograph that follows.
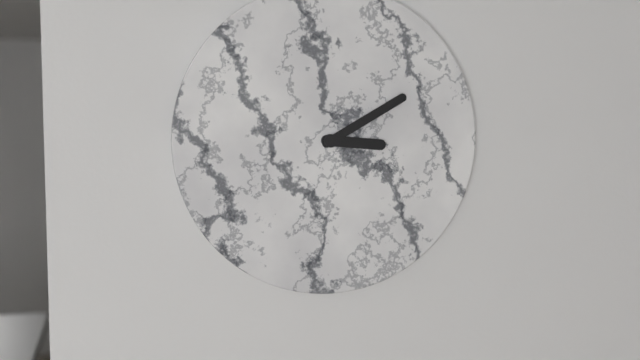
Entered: 3.10
